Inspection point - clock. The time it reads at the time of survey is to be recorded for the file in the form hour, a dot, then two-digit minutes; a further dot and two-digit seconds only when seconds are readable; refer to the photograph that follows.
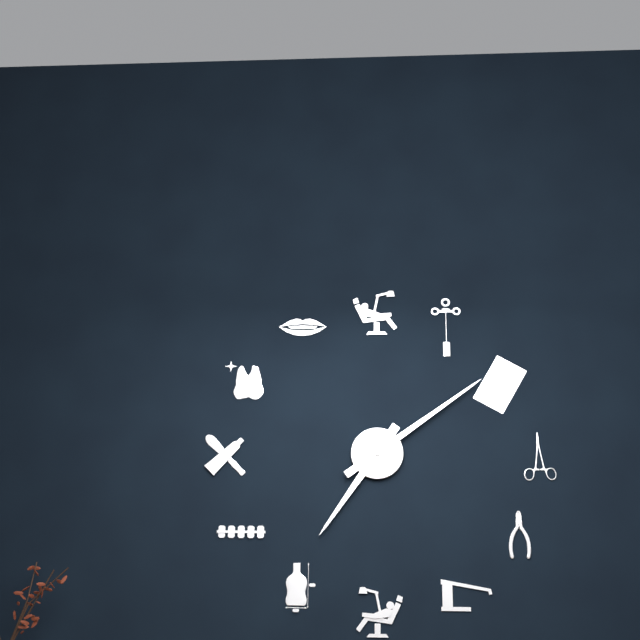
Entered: 7.09
